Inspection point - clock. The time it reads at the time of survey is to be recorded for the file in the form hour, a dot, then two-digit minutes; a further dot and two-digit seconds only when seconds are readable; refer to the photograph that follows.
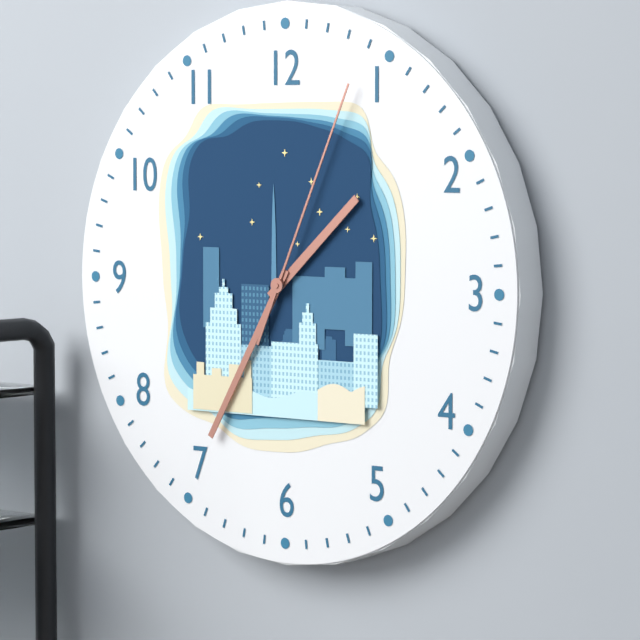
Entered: 1.35.04
